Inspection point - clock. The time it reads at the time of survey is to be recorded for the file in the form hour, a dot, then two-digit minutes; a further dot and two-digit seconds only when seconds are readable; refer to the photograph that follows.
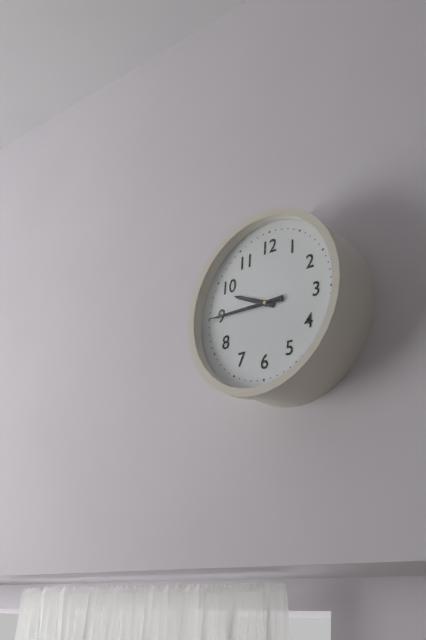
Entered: 9.45.45
